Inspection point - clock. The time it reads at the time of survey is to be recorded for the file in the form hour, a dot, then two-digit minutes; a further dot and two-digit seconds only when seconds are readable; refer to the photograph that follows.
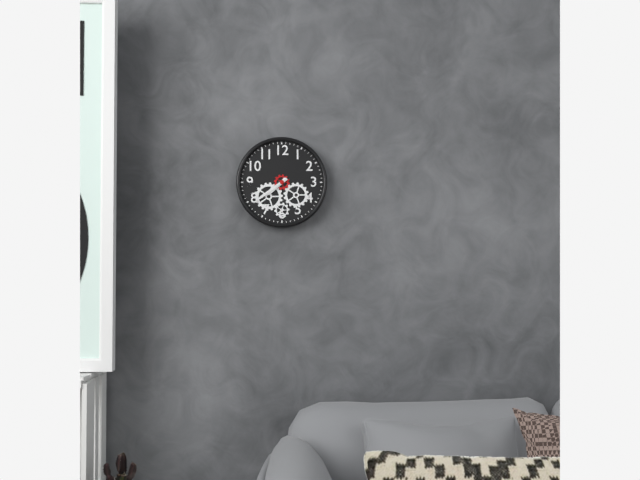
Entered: 7.39
